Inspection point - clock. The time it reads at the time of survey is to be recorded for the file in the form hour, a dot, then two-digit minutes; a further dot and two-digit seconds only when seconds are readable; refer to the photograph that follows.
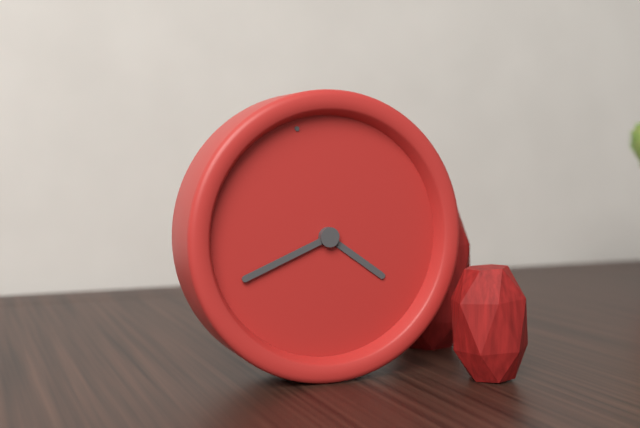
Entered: 4.44
